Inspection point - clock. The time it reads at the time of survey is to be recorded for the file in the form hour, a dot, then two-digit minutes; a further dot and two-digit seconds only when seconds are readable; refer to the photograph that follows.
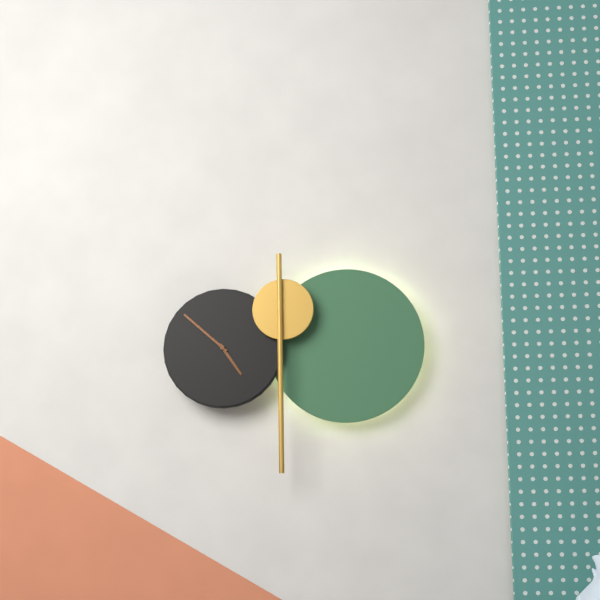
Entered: 4.52
